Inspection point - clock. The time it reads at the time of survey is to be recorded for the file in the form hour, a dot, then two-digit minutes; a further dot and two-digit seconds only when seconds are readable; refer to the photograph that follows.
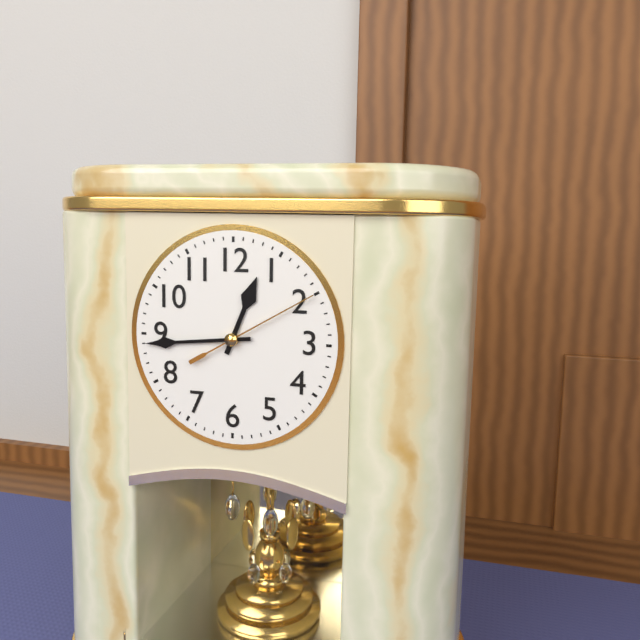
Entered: 12.44.10
